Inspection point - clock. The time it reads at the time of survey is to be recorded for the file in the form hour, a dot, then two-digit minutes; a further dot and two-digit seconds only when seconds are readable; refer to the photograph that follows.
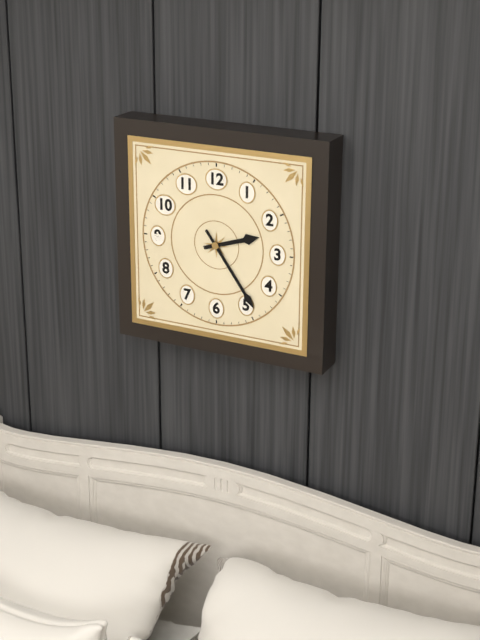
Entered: 2.24
